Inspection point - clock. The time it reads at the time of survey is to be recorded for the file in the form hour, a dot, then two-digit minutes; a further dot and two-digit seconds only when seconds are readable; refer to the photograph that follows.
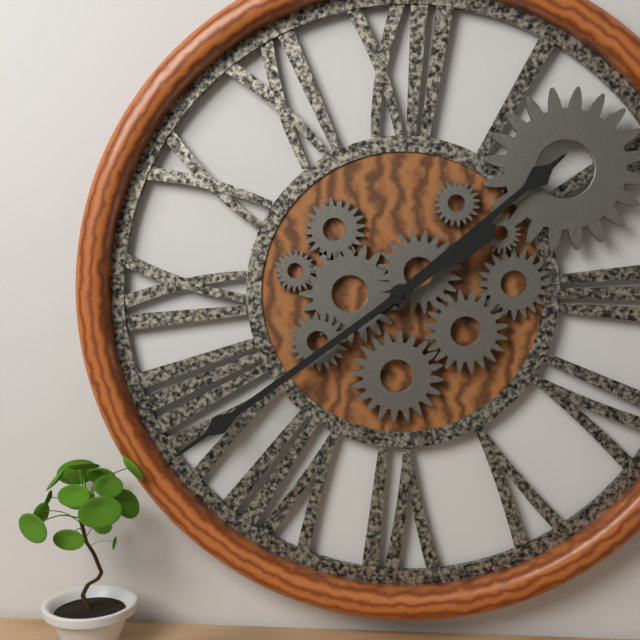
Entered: 1.39
